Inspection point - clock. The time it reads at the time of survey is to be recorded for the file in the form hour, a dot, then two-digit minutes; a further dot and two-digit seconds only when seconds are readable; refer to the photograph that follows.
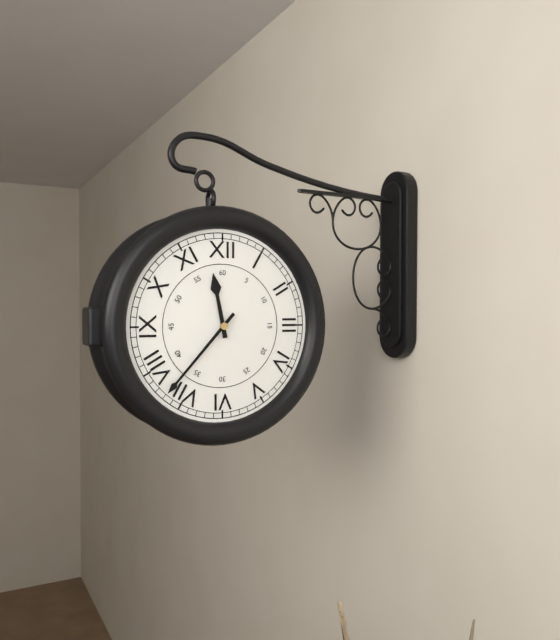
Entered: 11.37
